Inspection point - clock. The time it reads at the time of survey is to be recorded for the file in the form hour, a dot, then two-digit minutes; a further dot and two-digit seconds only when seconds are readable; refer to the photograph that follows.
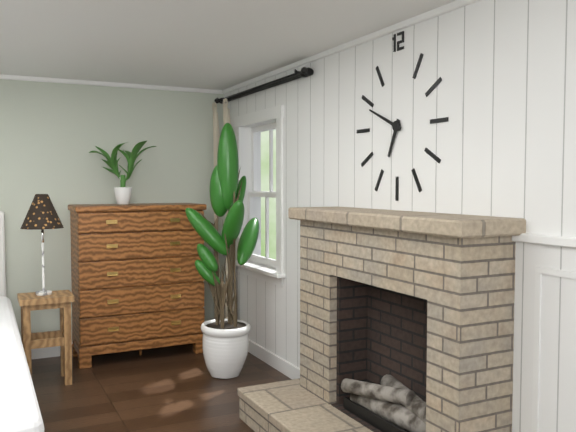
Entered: 6.49
